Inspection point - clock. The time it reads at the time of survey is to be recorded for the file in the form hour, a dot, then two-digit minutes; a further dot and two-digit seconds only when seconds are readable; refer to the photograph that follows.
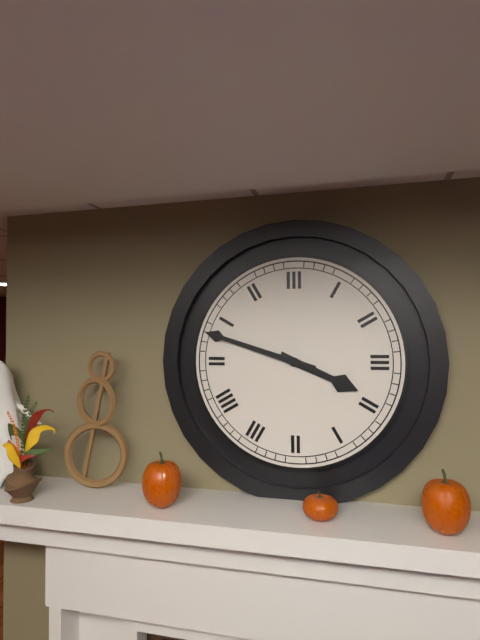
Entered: 3.48
